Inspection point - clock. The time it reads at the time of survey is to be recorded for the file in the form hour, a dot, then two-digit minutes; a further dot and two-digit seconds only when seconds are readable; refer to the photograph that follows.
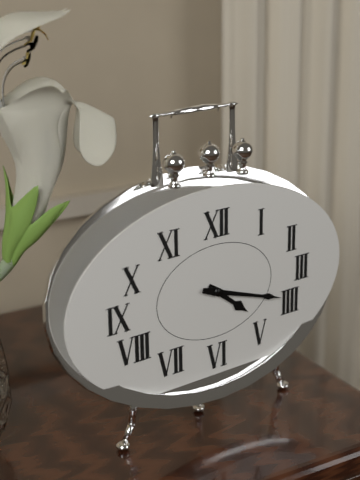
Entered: 4.18
